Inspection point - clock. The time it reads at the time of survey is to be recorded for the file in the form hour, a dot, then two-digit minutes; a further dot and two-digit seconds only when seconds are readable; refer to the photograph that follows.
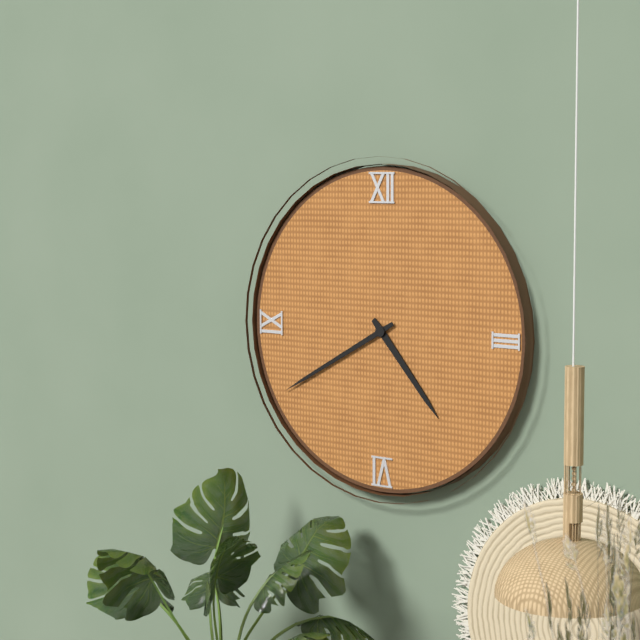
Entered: 4.40
